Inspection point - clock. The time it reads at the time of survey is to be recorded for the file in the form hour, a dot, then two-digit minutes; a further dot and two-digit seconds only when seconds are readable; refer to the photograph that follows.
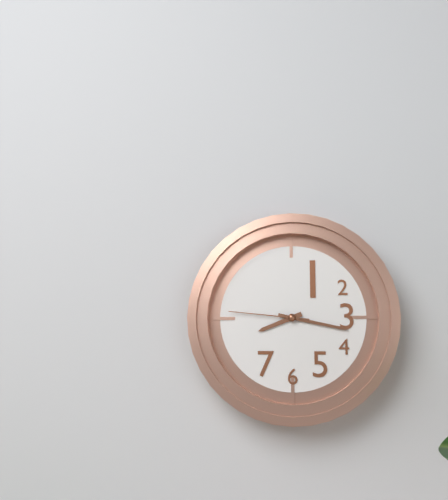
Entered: 8.17.46
